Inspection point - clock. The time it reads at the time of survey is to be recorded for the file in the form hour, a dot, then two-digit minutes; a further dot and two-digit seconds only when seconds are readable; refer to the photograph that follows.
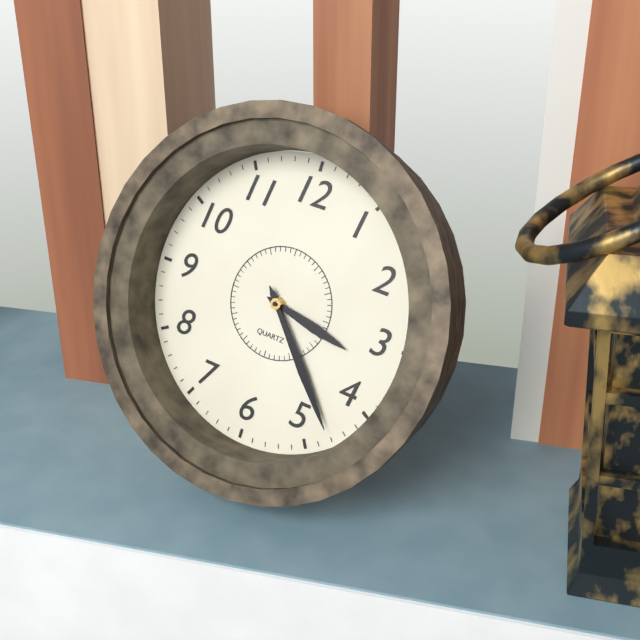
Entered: 3.23
